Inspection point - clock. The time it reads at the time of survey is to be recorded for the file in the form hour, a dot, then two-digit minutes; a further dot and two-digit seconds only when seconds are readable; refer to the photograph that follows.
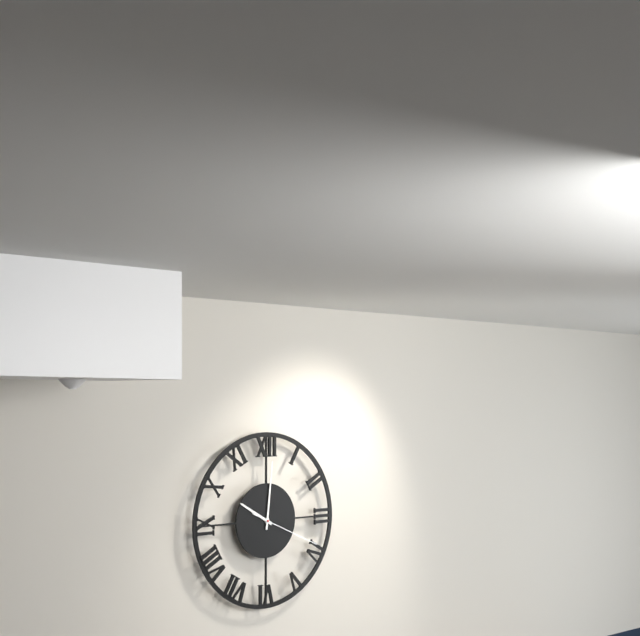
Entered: 10.01.19
